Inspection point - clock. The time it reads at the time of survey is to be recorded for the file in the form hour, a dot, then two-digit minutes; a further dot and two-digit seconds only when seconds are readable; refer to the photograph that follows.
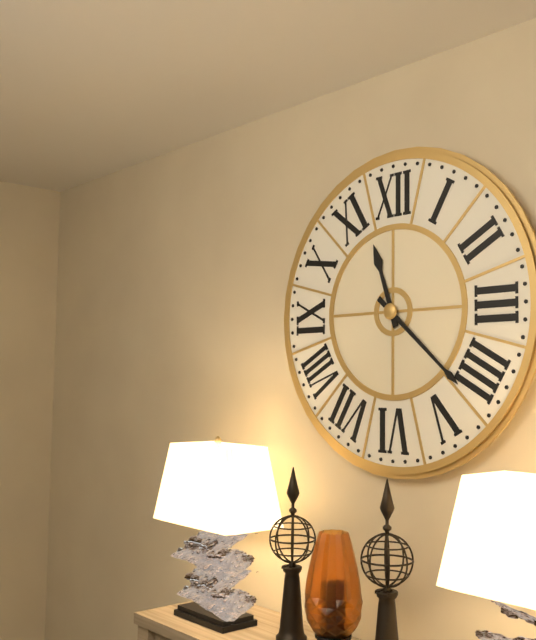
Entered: 11.22
